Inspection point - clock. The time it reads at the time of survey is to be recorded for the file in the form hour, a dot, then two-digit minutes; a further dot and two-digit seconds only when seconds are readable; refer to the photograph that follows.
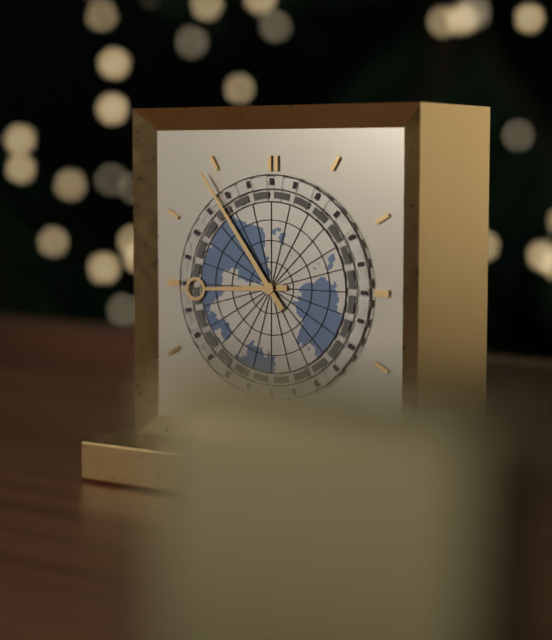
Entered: 8.54
